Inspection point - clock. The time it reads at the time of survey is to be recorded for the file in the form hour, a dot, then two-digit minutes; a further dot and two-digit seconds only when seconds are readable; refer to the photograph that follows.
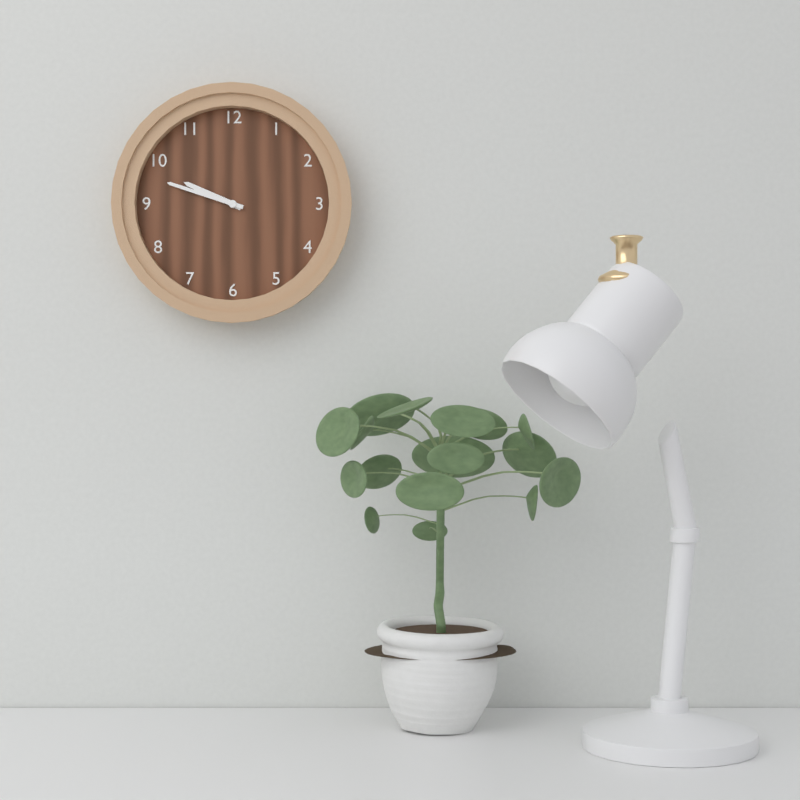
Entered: 9.48
